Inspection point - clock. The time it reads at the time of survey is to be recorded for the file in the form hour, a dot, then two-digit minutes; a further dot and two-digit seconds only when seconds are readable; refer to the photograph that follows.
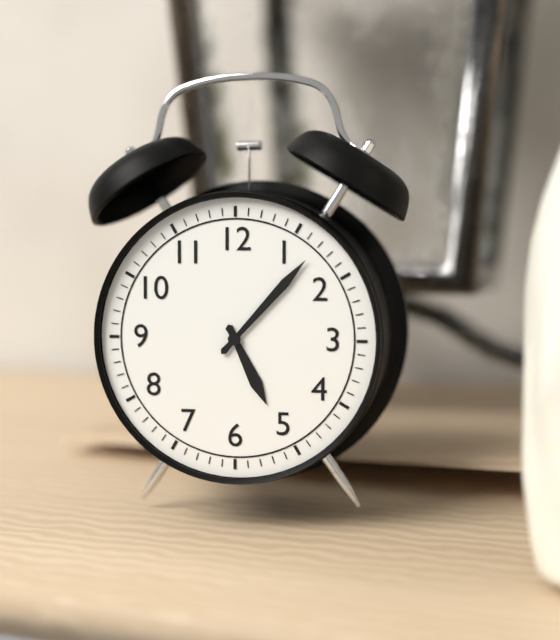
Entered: 5.07
